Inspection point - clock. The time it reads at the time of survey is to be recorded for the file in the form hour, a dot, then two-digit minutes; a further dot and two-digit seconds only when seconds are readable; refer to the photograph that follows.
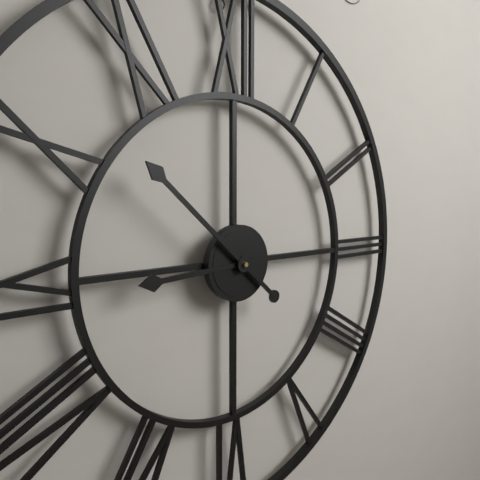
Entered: 8.52
